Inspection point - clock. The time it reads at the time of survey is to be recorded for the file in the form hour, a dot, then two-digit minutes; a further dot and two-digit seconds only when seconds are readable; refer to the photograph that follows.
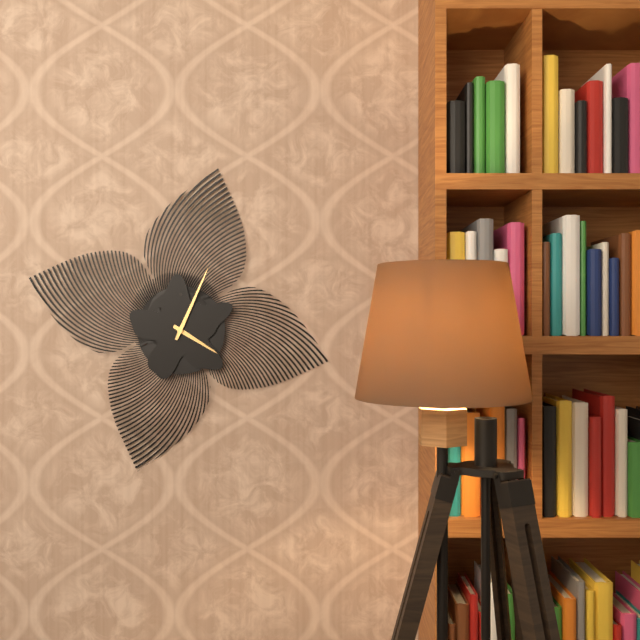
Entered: 4.04
